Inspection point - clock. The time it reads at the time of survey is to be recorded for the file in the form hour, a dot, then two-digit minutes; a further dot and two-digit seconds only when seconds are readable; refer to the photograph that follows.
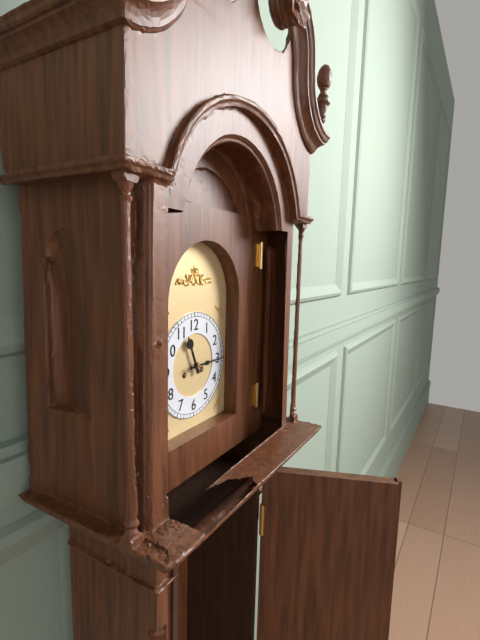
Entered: 11.15
